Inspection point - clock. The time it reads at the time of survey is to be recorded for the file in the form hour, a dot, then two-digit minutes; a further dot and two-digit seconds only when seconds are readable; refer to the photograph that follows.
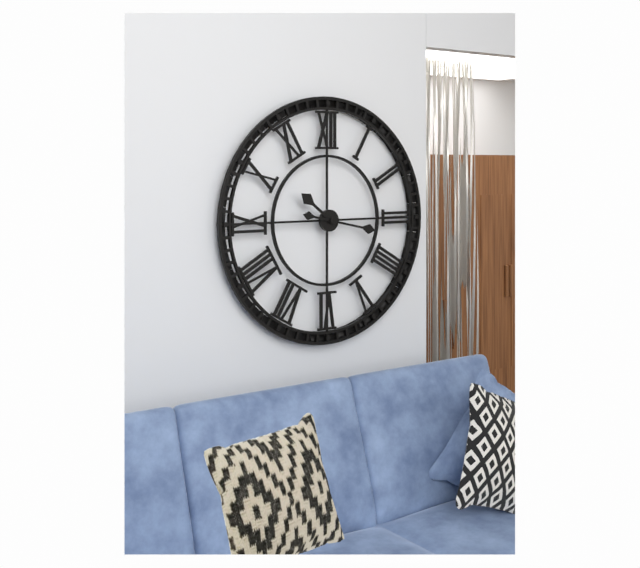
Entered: 10.17
